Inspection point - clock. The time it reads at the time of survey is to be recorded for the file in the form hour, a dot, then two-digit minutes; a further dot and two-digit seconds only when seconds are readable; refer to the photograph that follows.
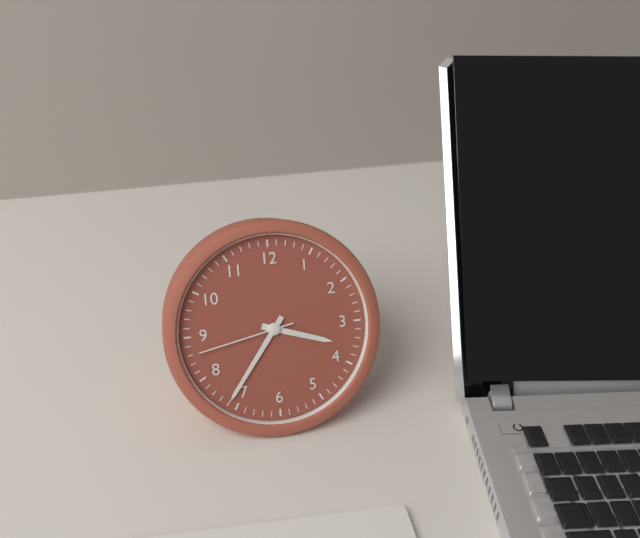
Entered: 3.36.43
